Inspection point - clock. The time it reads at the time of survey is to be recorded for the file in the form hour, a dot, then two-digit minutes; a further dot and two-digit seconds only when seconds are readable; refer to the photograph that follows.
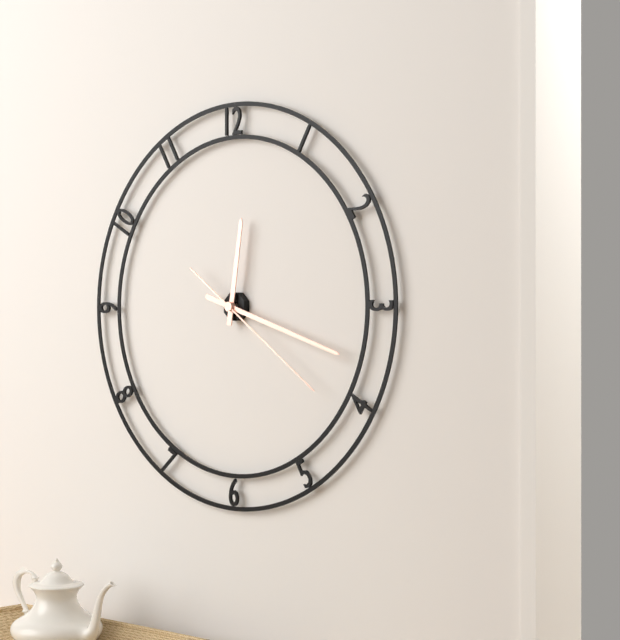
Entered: 12.18.21
